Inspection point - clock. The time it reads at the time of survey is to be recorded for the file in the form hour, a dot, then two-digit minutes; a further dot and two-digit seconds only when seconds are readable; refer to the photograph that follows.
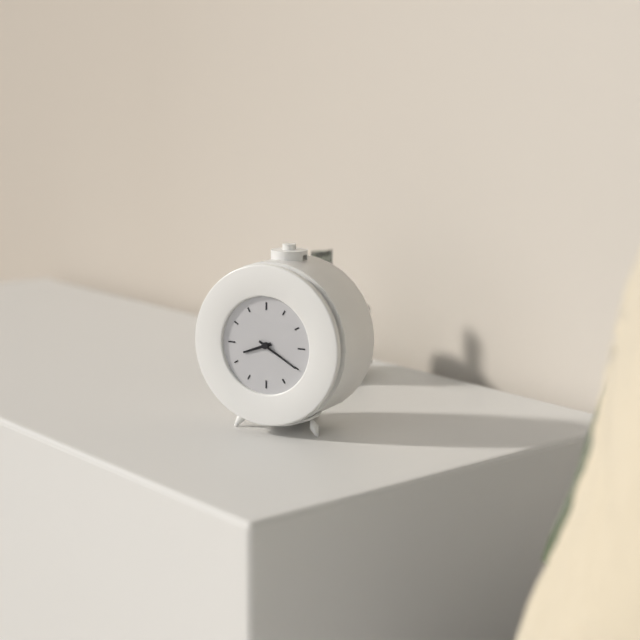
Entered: 8.20
